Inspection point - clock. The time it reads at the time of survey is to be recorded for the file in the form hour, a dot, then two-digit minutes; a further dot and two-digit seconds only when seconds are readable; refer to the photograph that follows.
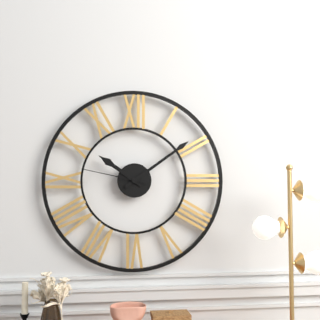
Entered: 10.09.47
